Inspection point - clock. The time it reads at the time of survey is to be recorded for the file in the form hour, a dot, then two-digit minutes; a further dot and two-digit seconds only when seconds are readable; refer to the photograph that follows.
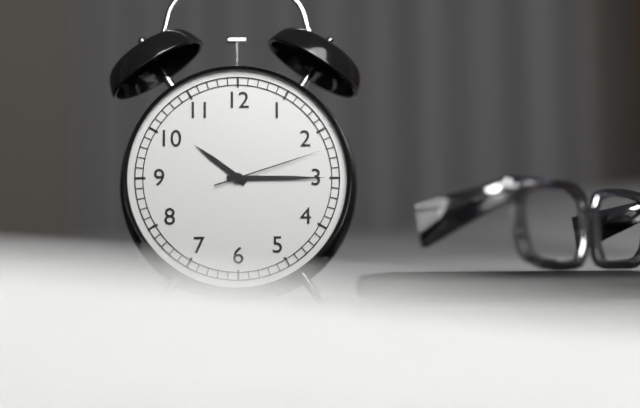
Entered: 10.15.12
